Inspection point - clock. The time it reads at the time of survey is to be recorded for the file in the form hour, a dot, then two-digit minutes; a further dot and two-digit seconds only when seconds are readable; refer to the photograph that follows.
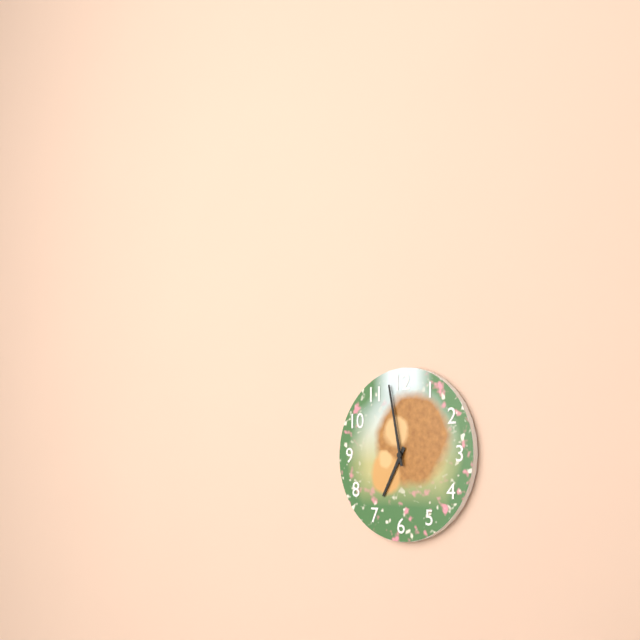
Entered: 6.58
